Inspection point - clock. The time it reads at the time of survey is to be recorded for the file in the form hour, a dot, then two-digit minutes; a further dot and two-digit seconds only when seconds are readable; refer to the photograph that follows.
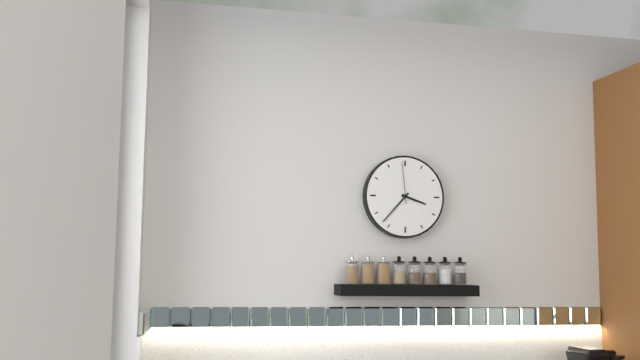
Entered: 3.37
